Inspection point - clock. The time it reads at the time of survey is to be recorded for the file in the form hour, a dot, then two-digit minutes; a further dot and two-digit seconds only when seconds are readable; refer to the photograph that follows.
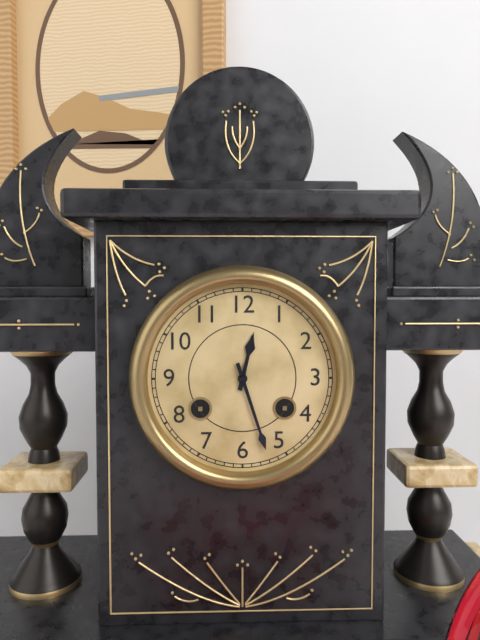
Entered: 12.27
